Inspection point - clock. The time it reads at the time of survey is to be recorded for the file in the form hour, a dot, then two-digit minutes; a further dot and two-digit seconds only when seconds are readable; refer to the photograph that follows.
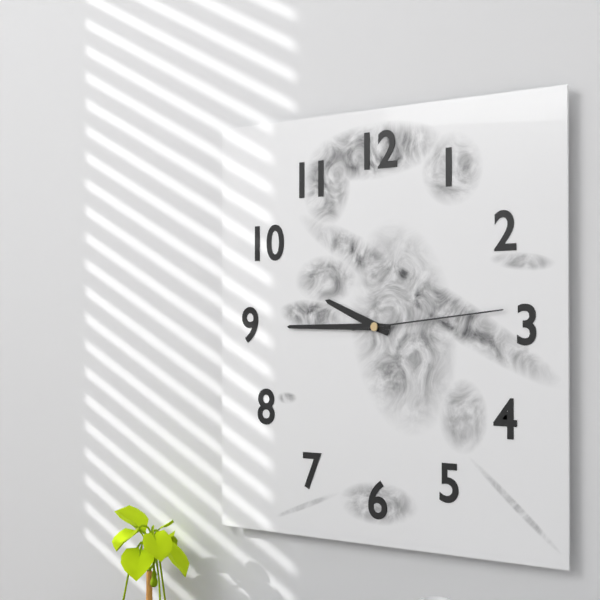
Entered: 9.45.14
